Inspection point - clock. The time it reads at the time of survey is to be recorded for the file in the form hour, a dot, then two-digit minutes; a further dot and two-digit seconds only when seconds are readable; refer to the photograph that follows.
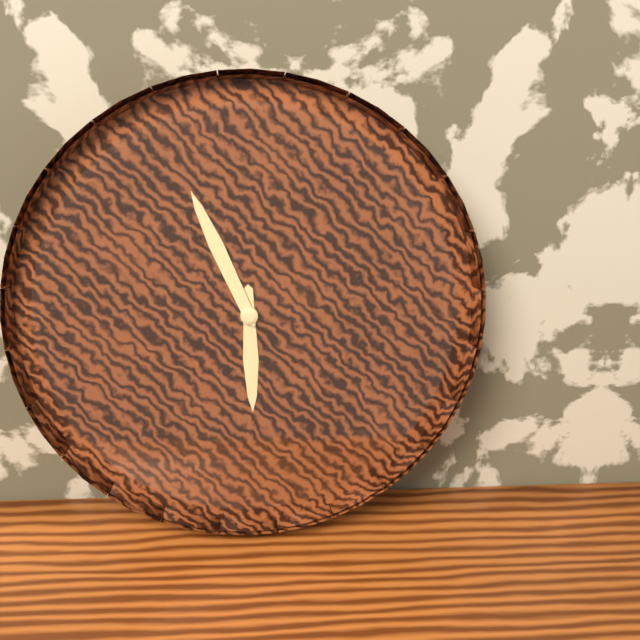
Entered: 5.56
